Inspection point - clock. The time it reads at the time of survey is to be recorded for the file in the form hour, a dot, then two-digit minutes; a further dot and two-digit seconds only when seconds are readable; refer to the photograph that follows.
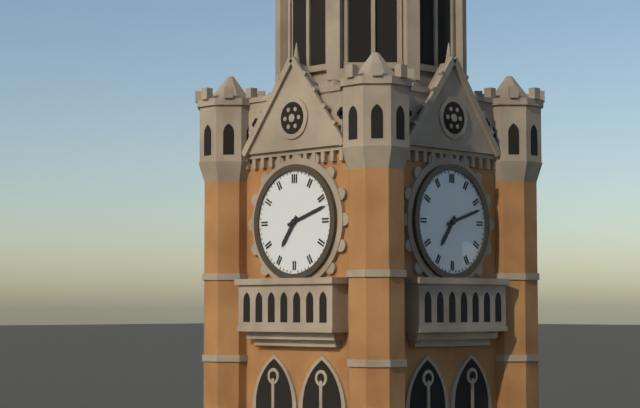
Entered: 7.12
